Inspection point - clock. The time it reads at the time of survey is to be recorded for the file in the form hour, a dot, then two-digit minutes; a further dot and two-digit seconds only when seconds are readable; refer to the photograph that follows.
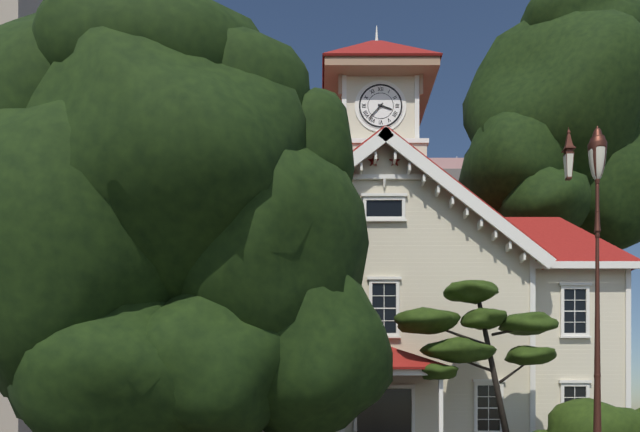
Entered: 3.37
